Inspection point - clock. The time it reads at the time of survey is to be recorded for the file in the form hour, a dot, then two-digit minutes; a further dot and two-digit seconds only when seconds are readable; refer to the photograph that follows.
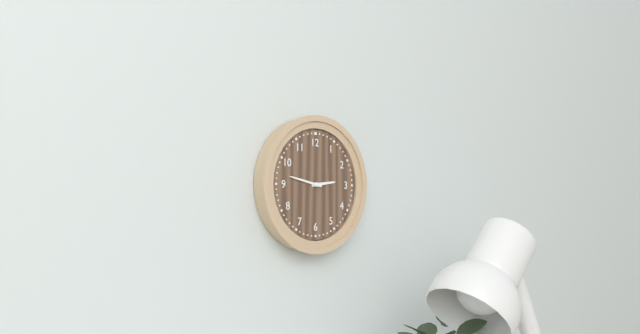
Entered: 2.47
